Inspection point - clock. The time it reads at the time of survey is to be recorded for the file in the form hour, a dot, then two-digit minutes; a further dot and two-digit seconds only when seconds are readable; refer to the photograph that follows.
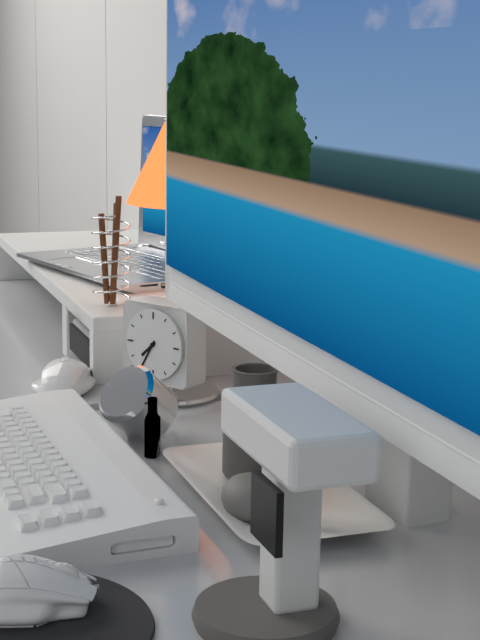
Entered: 7.35
